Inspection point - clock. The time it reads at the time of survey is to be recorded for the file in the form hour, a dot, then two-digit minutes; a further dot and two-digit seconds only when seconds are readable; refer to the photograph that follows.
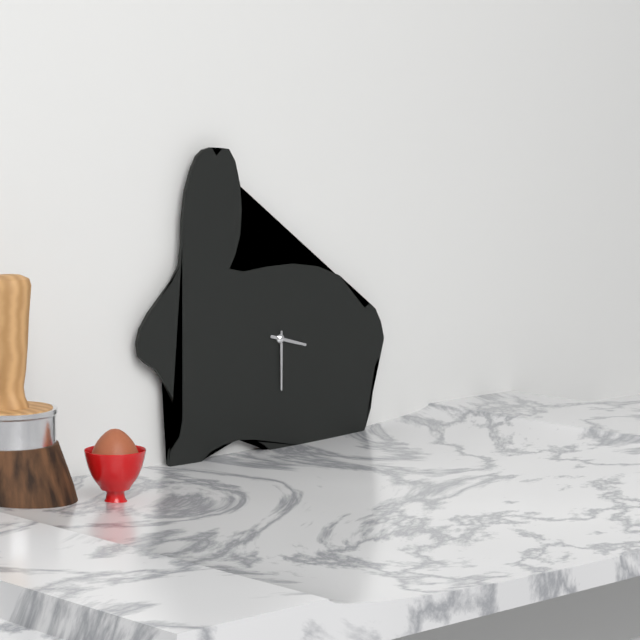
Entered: 3.30
